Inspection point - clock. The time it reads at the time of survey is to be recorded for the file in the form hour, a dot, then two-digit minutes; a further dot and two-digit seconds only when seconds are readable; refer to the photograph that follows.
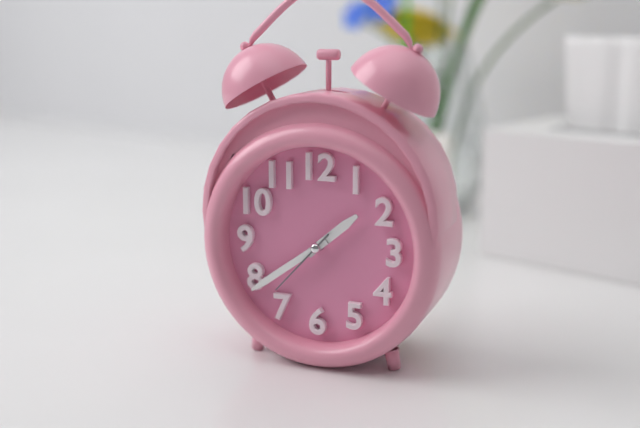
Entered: 1.39.37
